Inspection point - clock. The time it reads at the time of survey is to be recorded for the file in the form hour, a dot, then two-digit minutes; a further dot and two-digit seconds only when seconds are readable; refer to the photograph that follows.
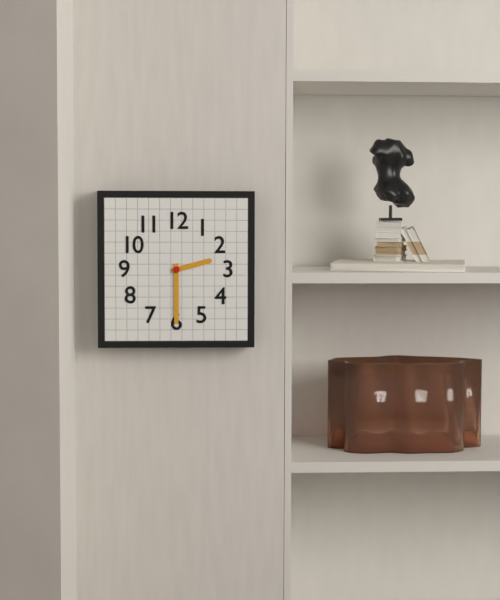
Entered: 2.30
